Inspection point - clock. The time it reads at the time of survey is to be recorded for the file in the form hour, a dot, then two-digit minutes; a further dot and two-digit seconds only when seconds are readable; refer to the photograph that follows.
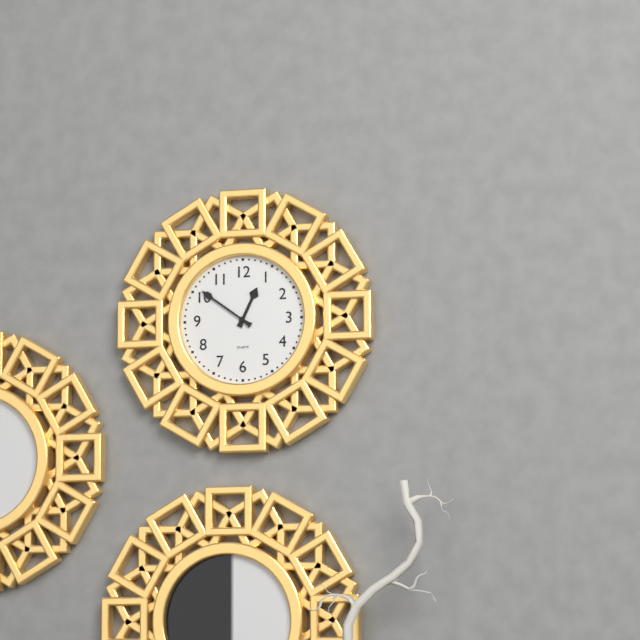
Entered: 12.51
